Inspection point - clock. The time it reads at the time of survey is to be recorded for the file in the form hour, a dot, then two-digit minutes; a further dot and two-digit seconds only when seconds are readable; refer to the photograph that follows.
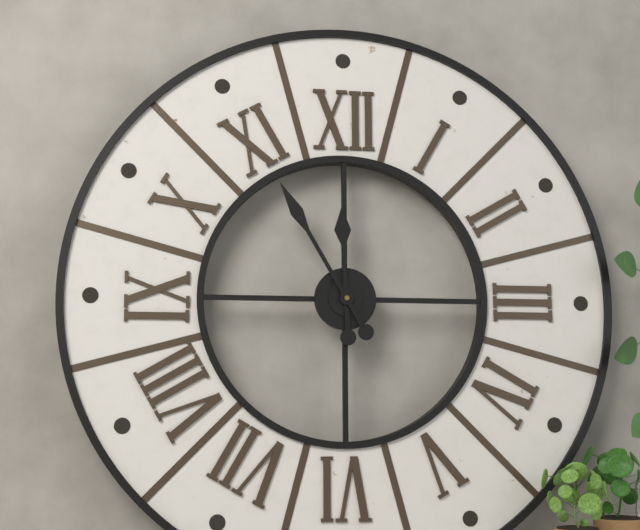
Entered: 11.55
